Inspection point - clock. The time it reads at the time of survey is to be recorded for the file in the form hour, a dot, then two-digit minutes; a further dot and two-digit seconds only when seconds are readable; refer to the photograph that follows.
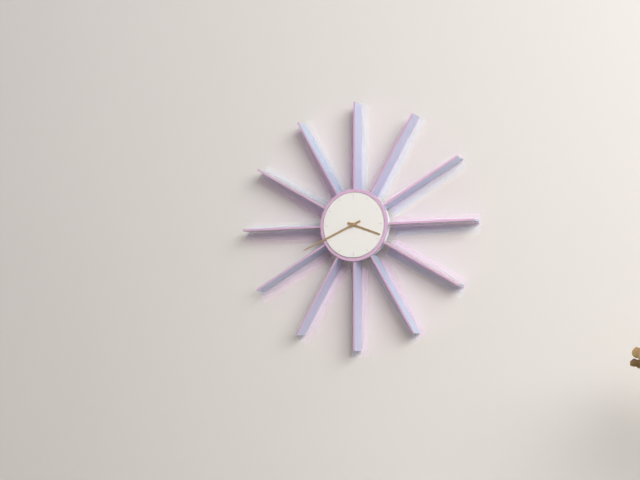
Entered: 3.41
